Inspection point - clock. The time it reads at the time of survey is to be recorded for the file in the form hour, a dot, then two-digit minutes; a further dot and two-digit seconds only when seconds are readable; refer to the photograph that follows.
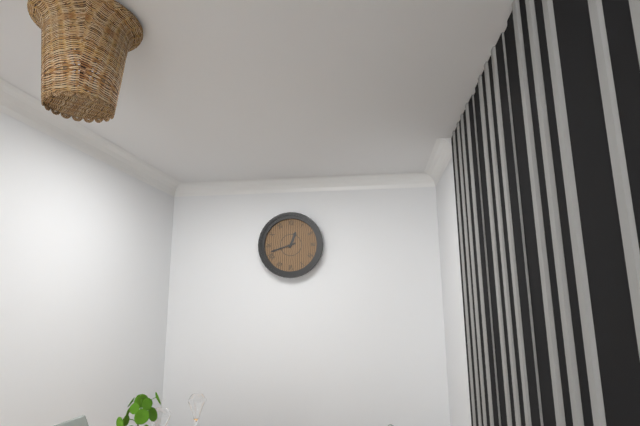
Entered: 12.42
